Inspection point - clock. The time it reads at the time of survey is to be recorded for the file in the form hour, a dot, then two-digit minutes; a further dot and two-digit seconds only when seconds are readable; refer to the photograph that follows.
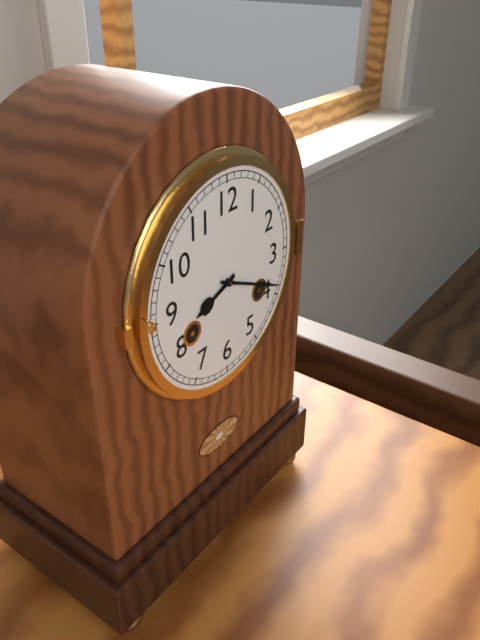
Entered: 8.19
